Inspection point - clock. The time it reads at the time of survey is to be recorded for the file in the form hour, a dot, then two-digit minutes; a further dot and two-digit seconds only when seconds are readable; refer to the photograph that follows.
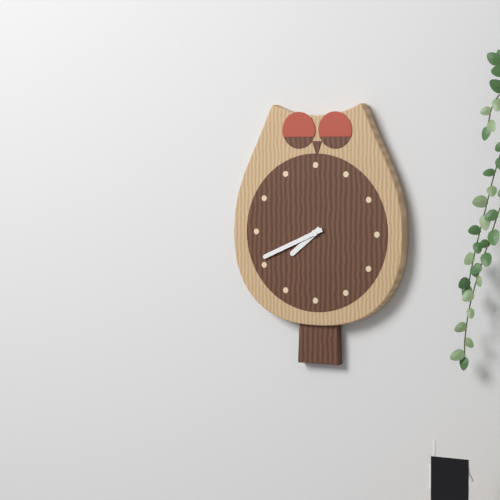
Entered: 7.41
